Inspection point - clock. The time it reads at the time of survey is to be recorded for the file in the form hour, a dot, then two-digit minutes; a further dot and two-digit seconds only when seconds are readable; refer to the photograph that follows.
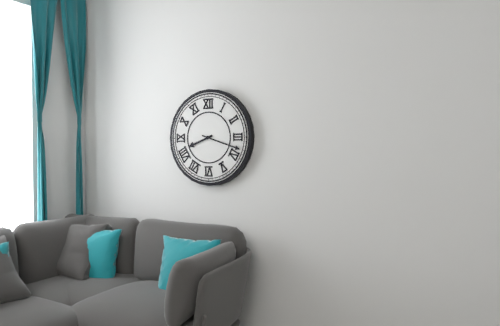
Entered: 8.18
